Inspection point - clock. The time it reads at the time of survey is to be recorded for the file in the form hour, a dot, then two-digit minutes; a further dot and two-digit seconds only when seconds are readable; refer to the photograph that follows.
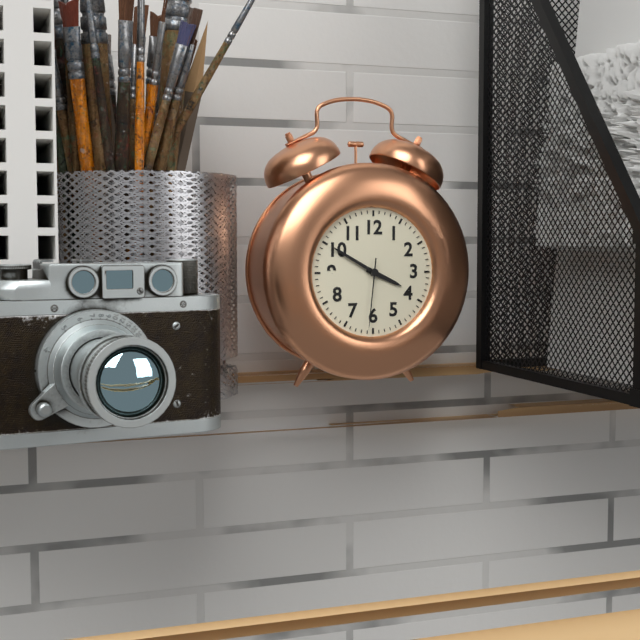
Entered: 3.50.31
